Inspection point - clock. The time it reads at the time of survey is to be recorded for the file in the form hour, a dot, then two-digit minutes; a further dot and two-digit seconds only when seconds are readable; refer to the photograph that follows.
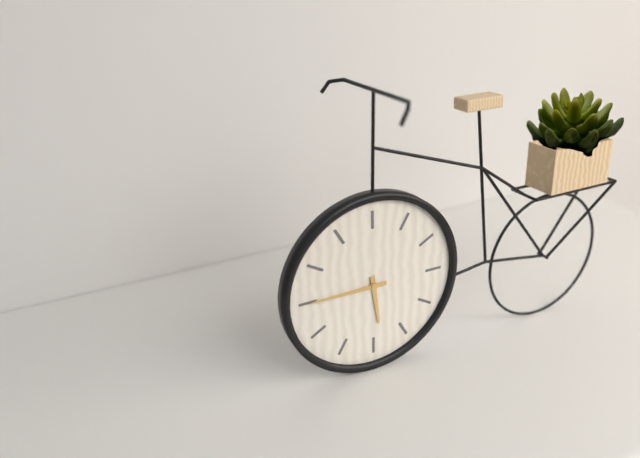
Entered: 5.45
